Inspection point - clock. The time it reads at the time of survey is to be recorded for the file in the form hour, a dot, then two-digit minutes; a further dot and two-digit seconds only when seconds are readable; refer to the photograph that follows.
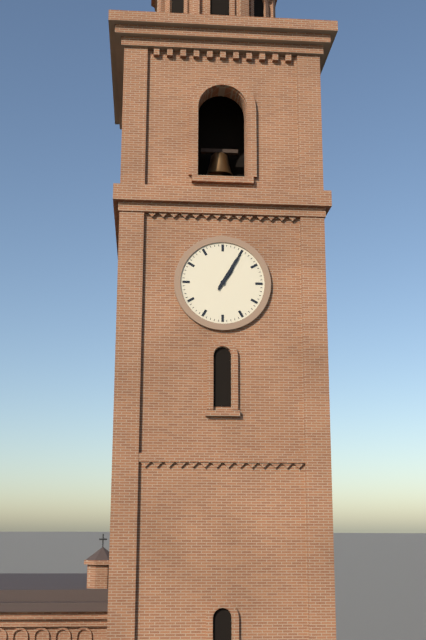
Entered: 1.05
